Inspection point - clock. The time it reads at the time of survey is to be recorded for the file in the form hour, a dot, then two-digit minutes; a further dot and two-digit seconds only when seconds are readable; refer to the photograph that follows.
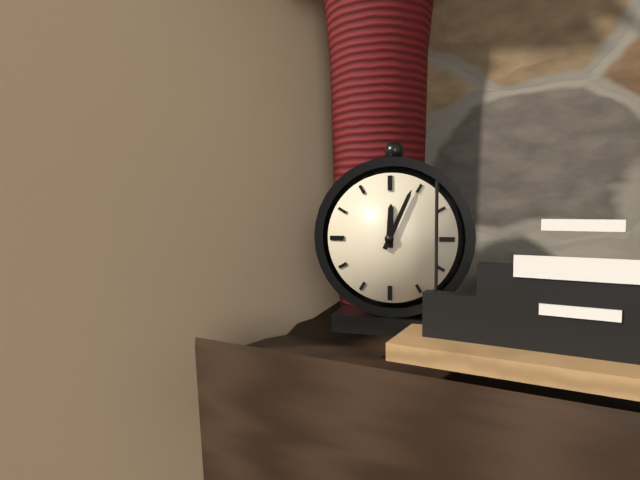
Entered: 12.04
